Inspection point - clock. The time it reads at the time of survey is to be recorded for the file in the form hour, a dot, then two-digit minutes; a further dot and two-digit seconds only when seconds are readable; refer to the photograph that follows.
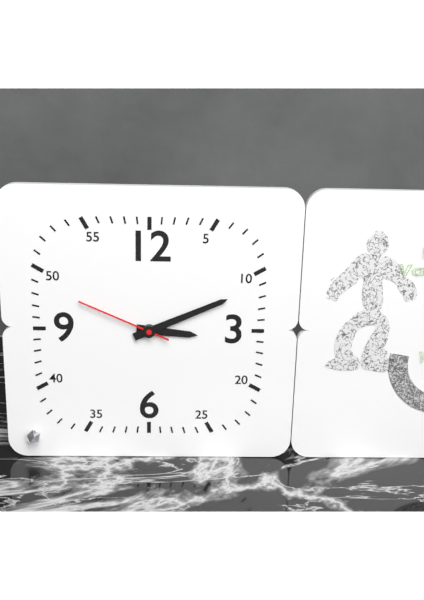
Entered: 3.11.49
